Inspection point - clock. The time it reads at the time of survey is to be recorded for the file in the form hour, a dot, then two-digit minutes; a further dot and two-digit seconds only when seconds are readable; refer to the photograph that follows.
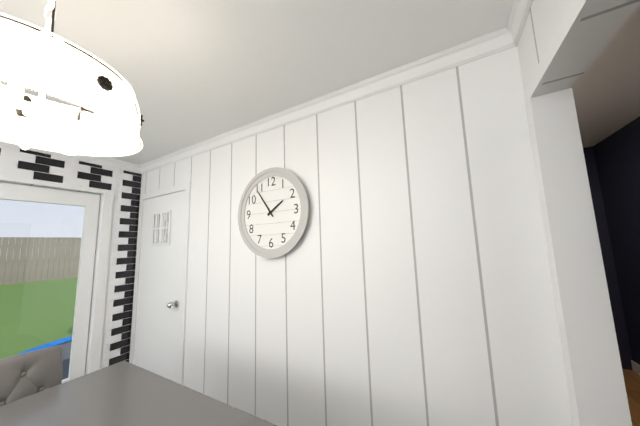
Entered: 1.54
